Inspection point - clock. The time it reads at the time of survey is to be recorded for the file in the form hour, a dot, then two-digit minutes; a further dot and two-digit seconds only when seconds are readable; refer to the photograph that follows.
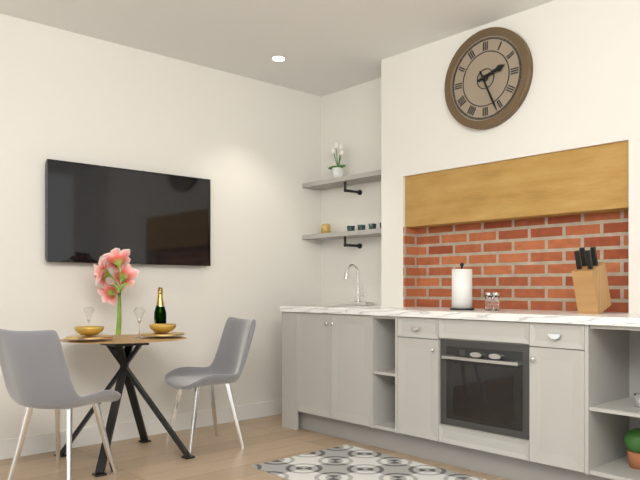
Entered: 2.26
